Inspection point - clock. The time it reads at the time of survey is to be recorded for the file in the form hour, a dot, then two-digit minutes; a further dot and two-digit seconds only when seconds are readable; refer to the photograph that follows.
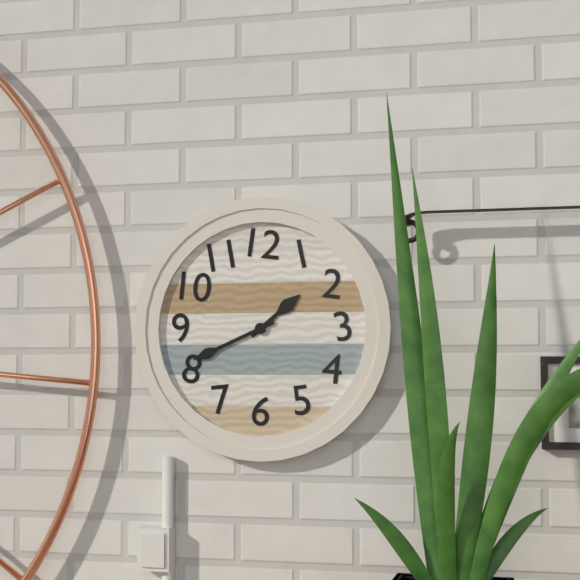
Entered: 1.41
